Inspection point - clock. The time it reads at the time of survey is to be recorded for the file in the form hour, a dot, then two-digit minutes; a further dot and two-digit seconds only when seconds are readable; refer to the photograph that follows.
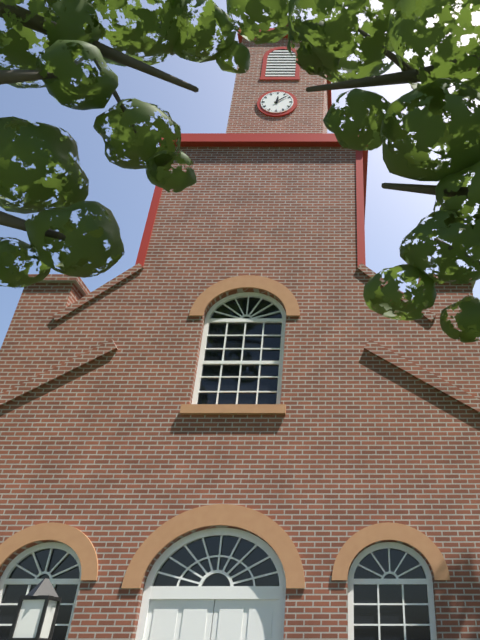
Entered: 12.08
